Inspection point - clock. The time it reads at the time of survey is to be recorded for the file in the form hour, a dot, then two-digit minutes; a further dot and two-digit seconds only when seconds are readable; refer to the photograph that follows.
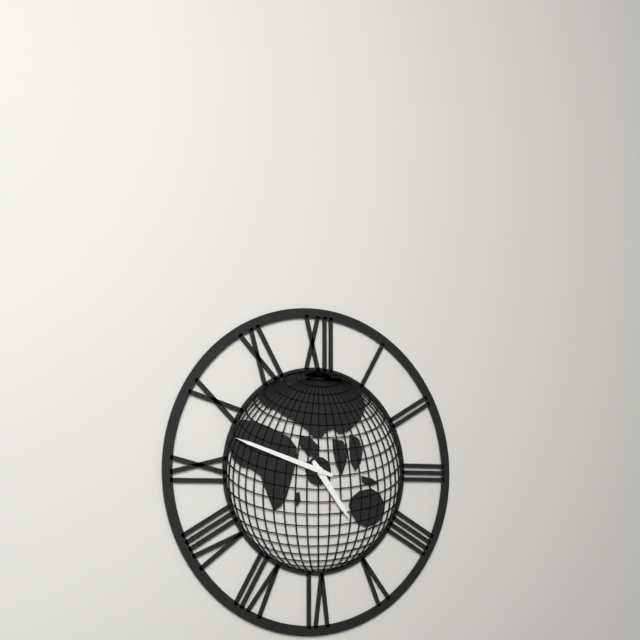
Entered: 4.48
